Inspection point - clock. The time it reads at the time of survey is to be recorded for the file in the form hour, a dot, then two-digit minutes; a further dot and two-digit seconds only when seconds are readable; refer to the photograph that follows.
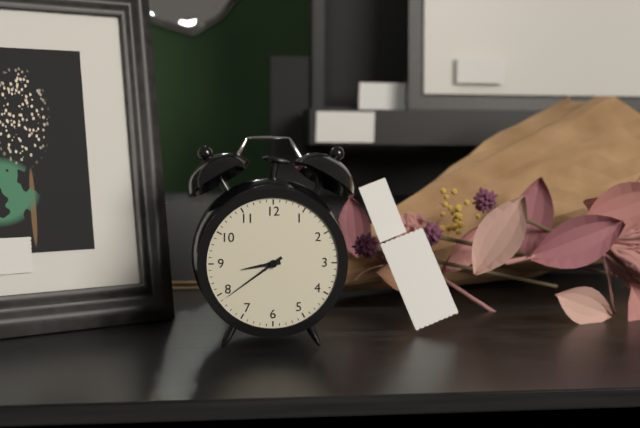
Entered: 8.39
